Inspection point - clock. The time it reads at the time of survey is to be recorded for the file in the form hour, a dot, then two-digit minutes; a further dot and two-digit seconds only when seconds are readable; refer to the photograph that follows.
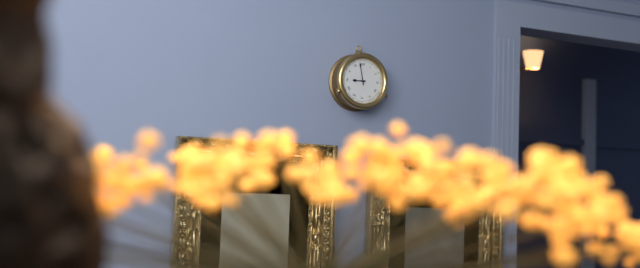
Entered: 8.58
